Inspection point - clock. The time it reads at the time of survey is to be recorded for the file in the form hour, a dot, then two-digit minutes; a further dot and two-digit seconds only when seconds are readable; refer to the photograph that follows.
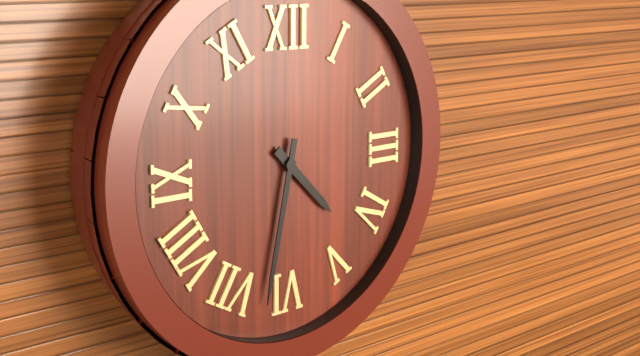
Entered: 4.32
